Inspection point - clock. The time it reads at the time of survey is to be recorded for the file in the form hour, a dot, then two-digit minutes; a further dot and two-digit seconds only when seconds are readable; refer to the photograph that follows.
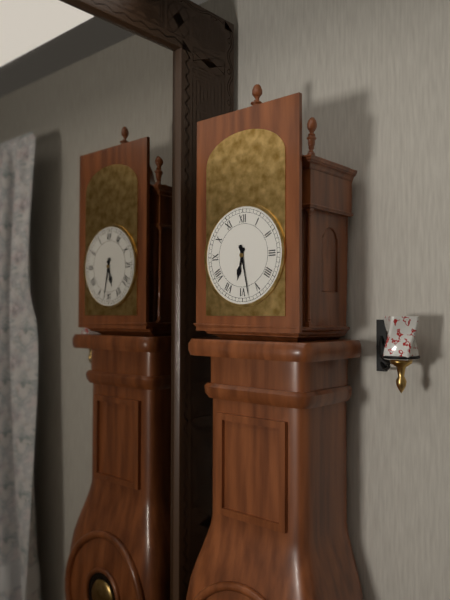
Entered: 6.28
